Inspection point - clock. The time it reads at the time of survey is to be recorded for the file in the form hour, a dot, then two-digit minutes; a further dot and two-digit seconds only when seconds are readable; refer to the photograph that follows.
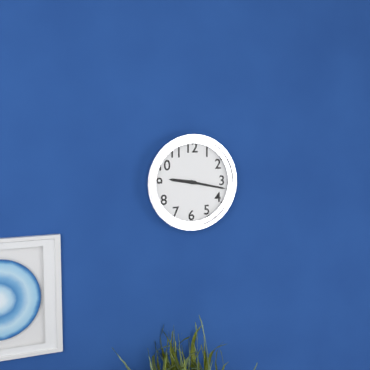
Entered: 9.17
